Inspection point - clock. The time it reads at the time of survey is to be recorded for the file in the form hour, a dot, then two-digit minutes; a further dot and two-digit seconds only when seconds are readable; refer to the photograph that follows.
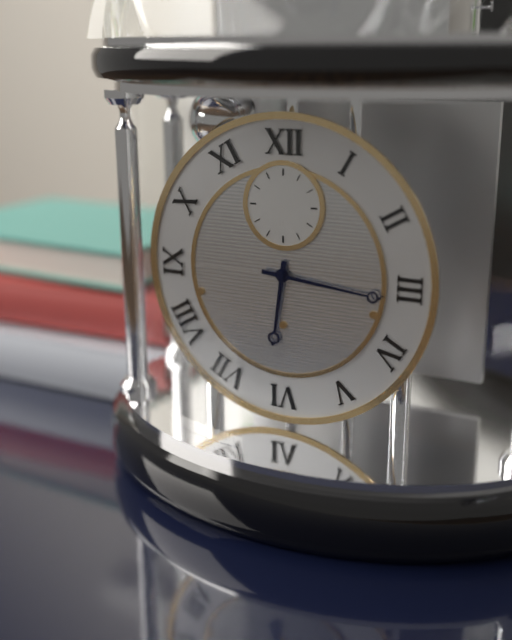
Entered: 6.16
